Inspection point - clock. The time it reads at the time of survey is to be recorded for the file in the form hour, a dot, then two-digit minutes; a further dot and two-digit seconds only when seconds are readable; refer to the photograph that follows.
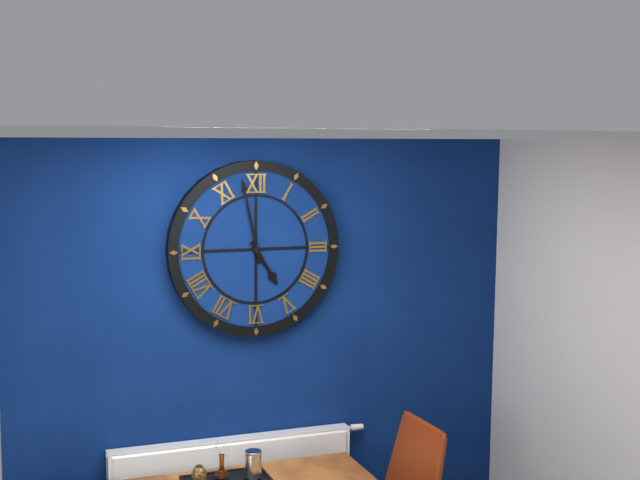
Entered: 4.58
